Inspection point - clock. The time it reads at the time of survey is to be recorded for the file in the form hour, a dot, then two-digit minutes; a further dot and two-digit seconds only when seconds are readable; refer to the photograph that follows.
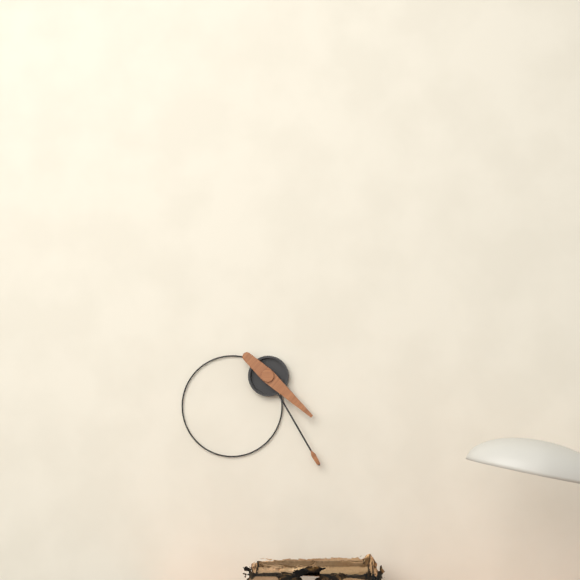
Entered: 4.25
